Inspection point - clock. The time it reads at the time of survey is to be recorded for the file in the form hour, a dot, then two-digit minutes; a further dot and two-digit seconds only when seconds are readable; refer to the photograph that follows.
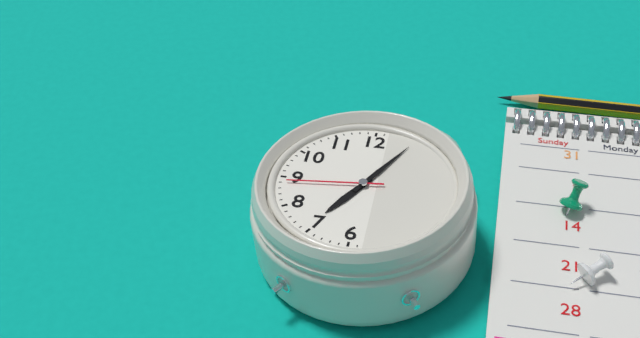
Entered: 7.05.44
